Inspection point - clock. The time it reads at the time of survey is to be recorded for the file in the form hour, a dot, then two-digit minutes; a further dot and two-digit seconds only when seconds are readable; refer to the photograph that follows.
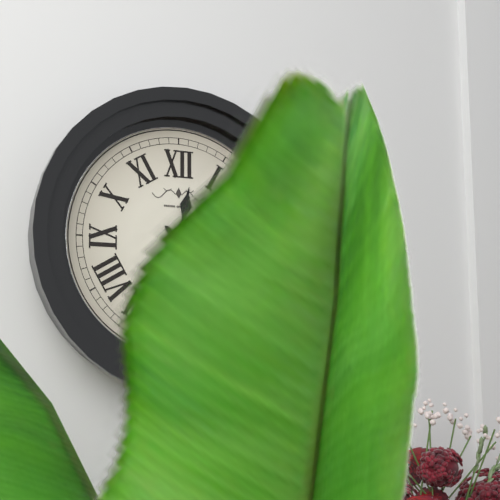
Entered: 12.22
